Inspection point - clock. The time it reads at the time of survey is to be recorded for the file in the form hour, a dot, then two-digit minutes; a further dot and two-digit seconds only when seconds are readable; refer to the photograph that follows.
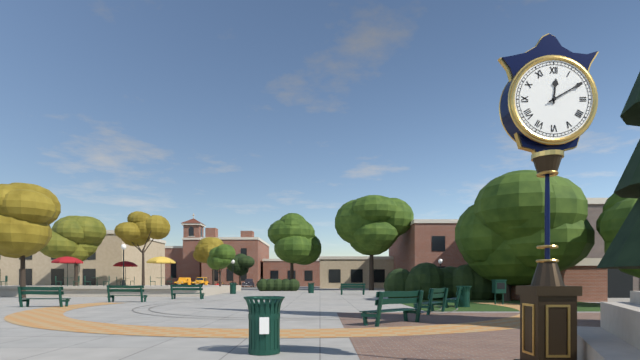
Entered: 12.10
